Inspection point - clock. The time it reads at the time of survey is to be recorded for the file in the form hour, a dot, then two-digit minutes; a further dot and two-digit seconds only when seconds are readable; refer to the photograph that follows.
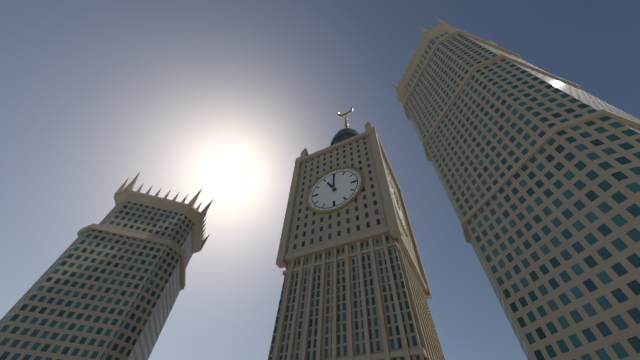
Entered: 11.00
